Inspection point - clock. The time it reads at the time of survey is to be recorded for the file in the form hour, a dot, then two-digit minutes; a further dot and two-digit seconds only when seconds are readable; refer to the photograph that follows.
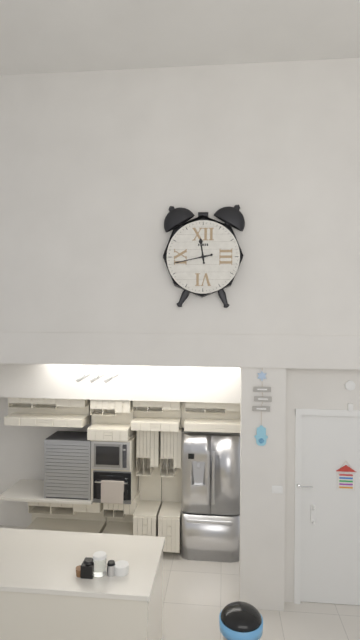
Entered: 11.43
